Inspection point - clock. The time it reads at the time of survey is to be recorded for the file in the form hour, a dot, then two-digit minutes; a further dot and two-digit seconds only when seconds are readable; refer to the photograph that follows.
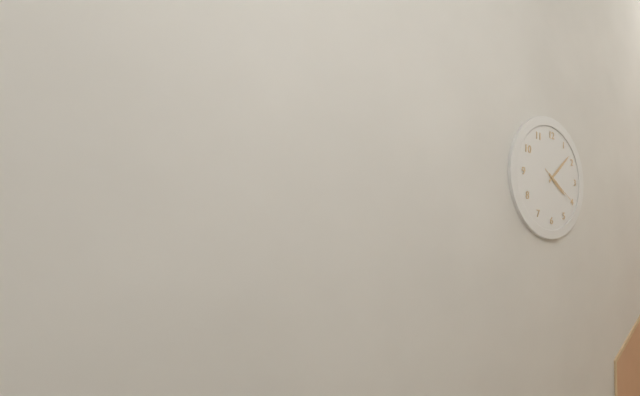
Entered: 4.08
